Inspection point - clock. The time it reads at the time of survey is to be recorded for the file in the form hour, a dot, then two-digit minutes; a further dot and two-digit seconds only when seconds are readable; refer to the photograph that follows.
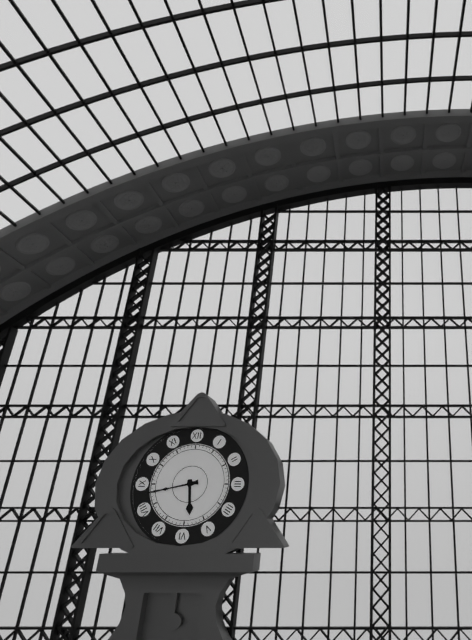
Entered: 5.43
